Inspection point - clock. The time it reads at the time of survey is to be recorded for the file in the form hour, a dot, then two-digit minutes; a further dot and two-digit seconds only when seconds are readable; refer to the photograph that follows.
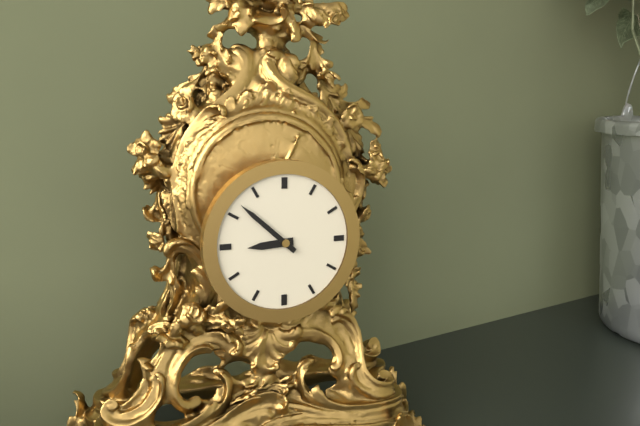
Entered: 8.52
